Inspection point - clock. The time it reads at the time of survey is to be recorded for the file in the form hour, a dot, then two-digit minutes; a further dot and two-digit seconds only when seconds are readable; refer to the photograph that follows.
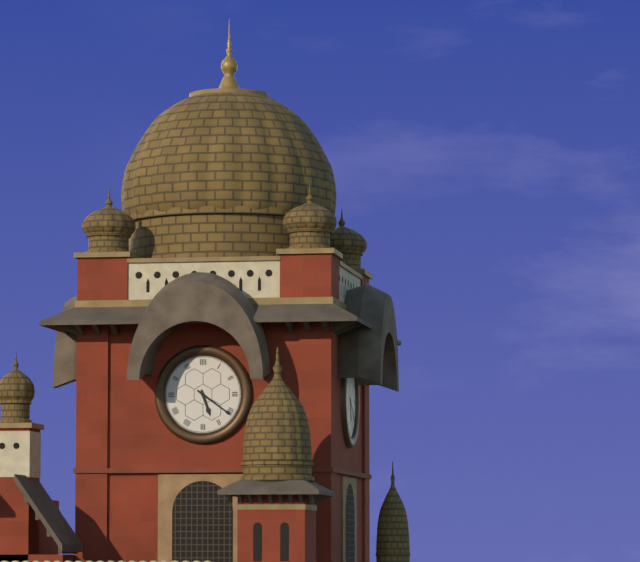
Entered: 5.21
